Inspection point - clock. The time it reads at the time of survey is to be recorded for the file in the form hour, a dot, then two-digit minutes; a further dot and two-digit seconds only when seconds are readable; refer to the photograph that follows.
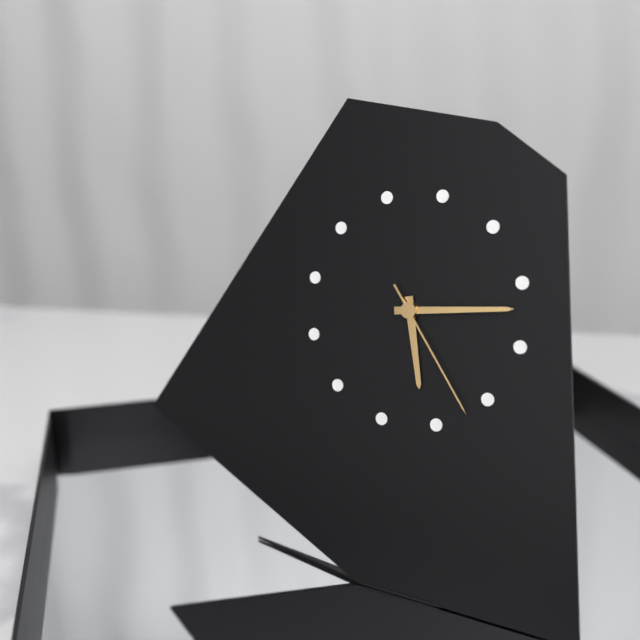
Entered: 5.12.22
